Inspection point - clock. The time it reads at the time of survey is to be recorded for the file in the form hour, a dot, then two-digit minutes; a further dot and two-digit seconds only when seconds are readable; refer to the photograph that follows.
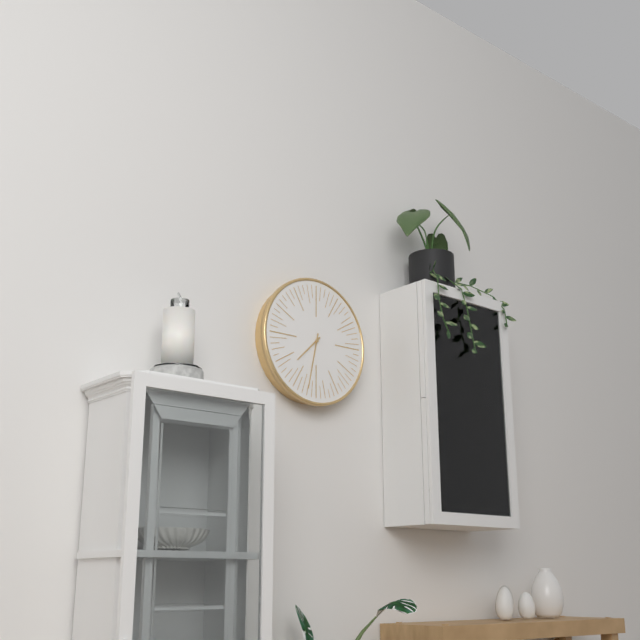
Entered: 7.32
